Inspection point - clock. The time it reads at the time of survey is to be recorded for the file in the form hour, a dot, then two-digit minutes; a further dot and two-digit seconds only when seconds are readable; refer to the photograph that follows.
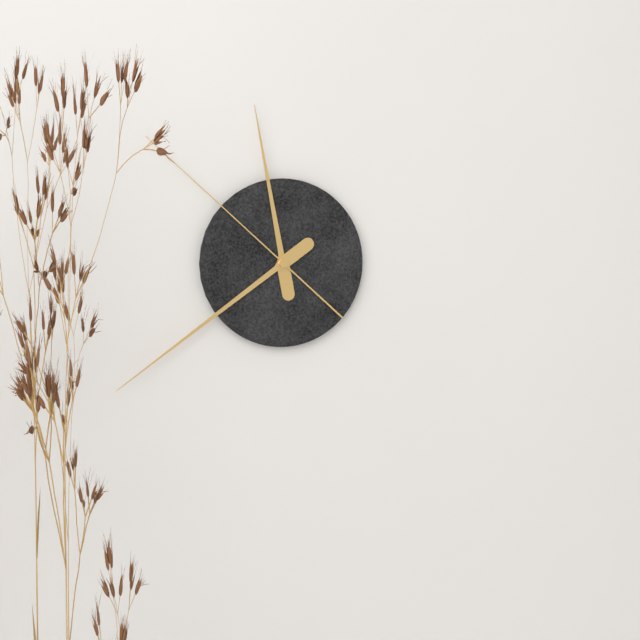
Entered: 11.39.52
